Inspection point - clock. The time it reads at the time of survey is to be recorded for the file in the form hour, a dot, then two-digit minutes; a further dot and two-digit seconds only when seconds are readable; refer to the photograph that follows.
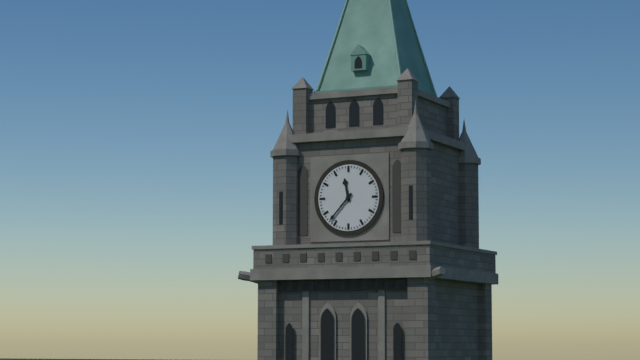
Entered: 11.37
